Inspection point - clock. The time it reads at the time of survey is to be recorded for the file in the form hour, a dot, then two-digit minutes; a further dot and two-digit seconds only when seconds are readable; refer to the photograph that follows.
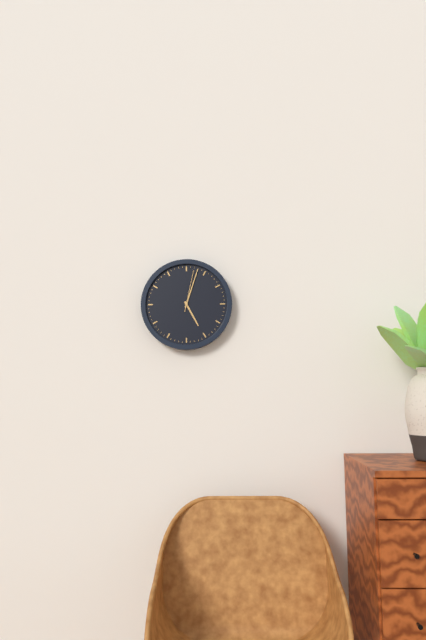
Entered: 5.03
